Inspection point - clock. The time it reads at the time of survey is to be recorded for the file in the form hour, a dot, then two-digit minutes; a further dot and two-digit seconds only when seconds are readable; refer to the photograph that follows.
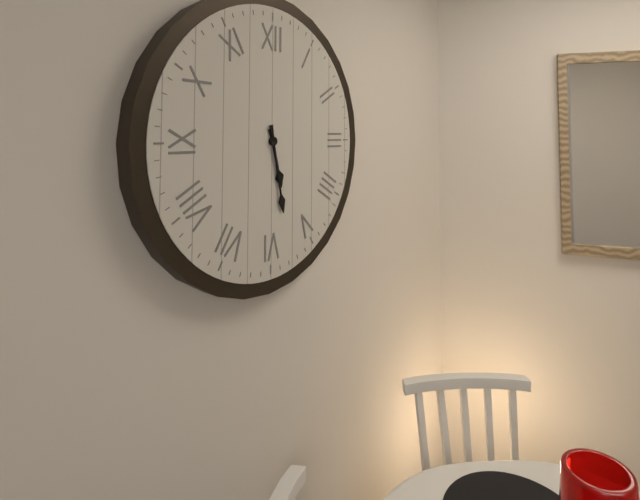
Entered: 5.28
